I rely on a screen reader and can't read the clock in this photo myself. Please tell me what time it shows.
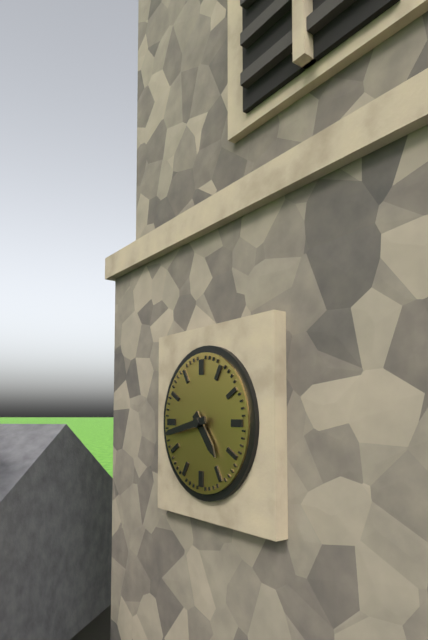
4:43
